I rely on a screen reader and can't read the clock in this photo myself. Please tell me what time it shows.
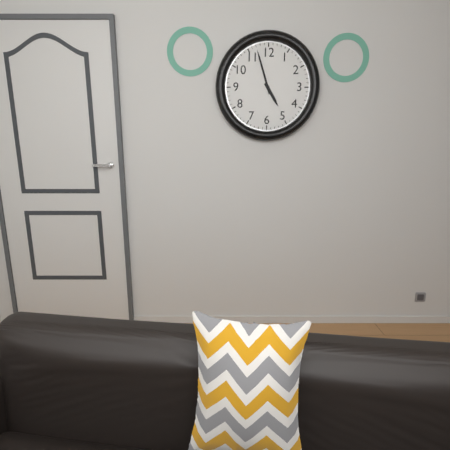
4:57
